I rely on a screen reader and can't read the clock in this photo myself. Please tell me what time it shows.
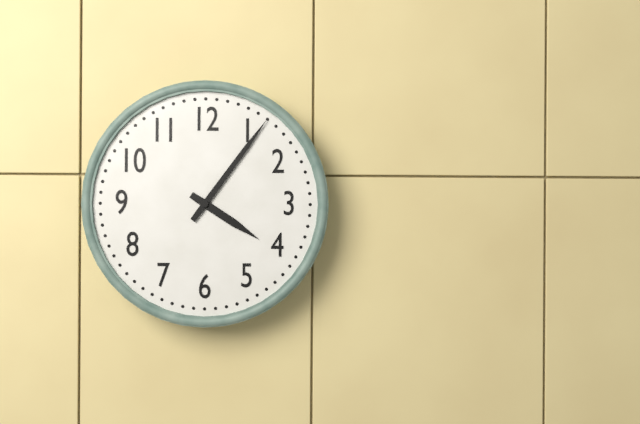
4:06
